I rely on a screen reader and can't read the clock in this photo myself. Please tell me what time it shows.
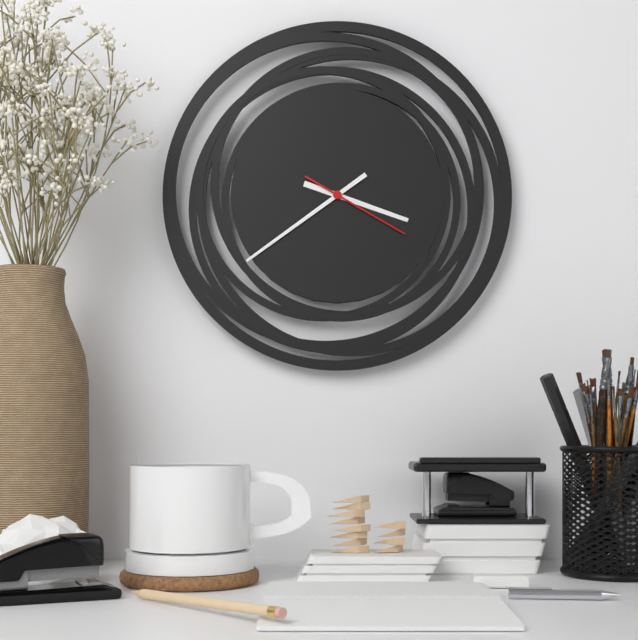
3:39:20
